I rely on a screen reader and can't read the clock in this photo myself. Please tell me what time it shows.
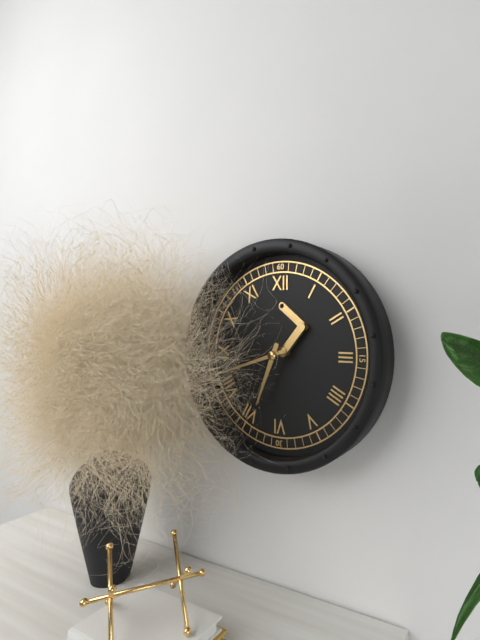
6:42
